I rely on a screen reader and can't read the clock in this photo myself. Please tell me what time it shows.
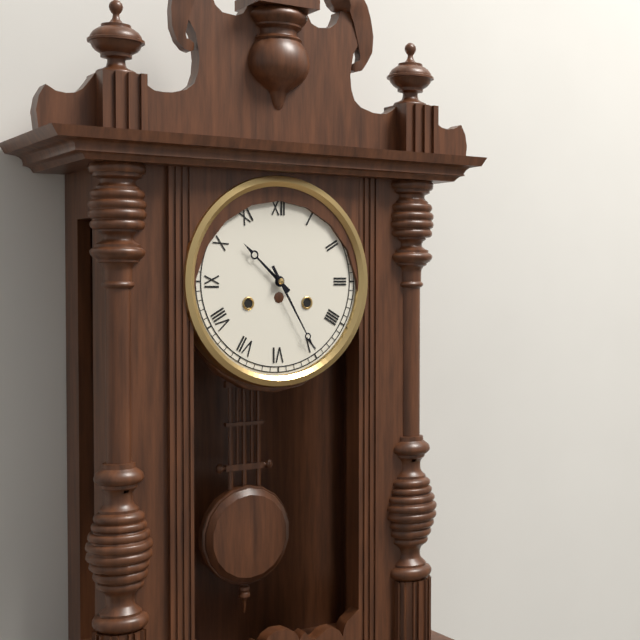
10:25
